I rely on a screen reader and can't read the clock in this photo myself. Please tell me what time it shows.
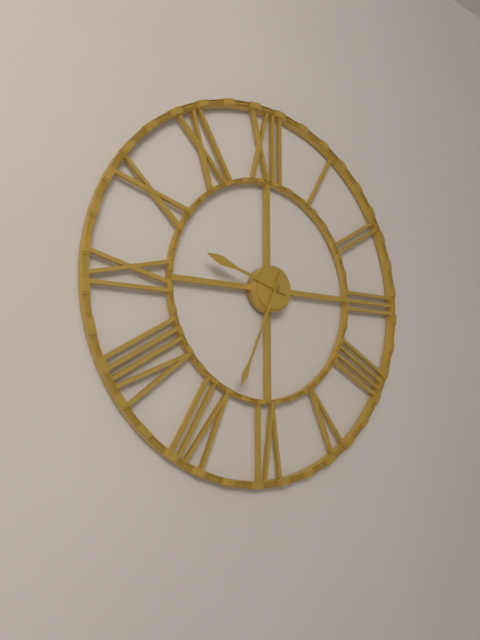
9:34
